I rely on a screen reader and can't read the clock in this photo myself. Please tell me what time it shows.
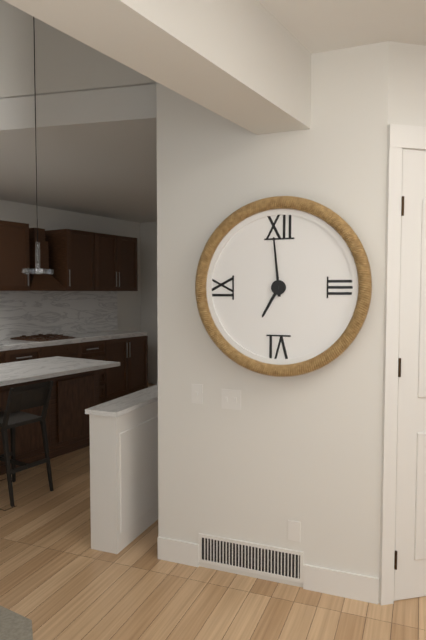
6:59
